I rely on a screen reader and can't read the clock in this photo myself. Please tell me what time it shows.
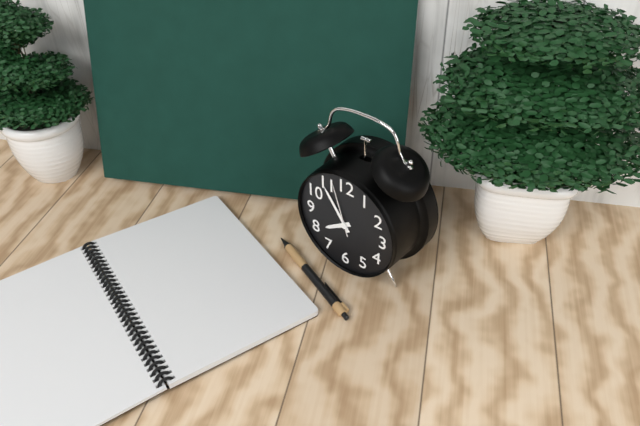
7:54:57
